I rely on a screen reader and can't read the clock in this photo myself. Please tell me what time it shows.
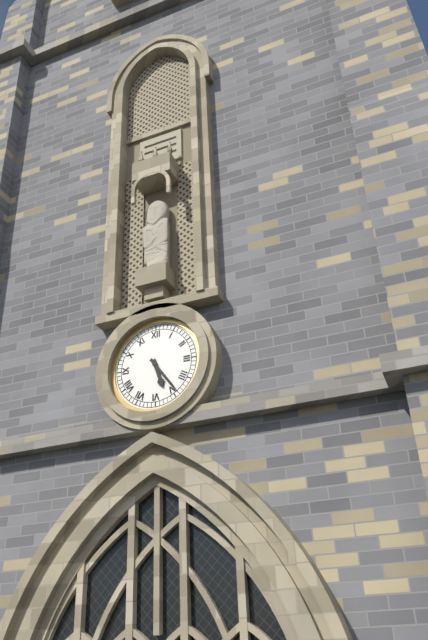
5:24
